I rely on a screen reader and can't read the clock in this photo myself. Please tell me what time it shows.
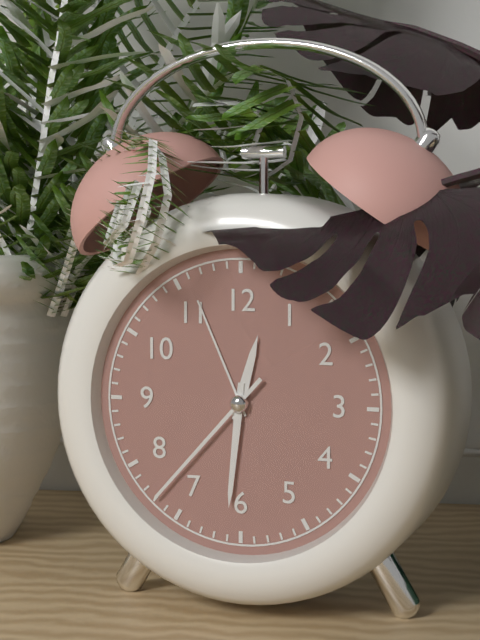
12:31:37
